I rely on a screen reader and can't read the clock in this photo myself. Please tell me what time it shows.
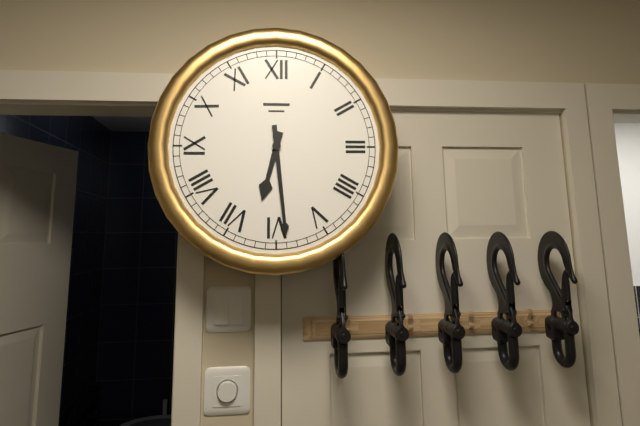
6:29
